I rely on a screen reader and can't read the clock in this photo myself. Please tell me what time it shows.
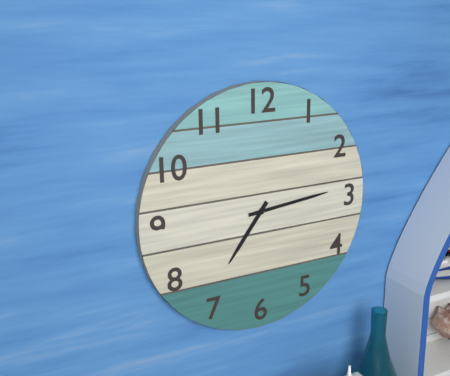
7:14
